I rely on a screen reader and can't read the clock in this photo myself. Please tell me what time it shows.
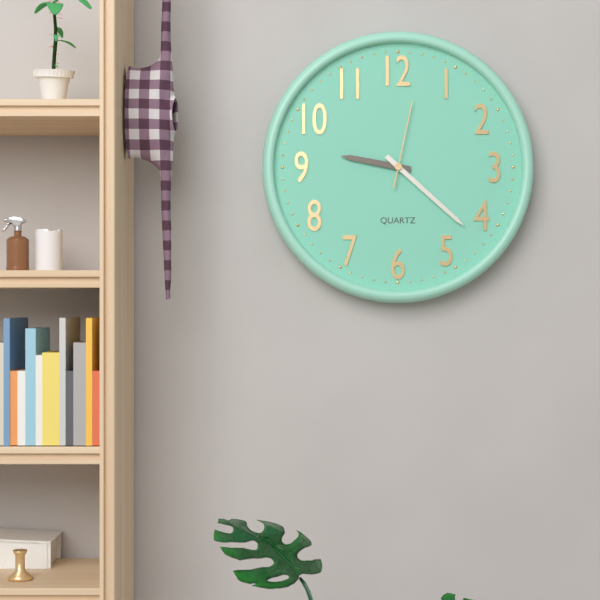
9:22:02
